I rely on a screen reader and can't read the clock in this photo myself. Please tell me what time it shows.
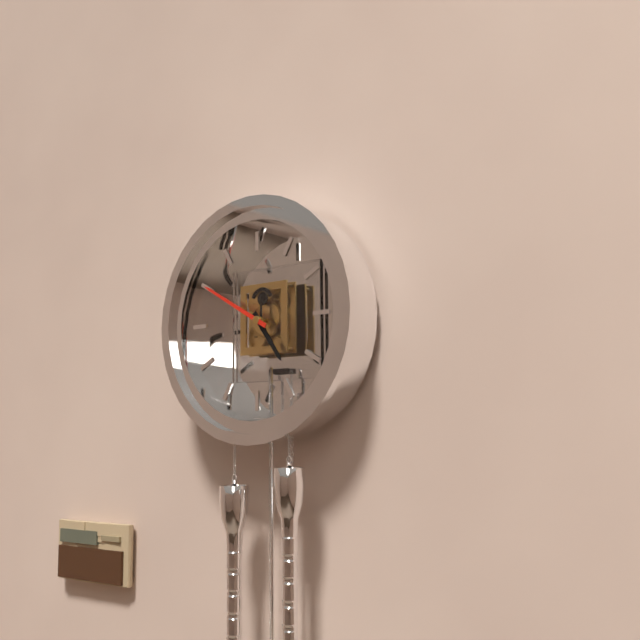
4:50
